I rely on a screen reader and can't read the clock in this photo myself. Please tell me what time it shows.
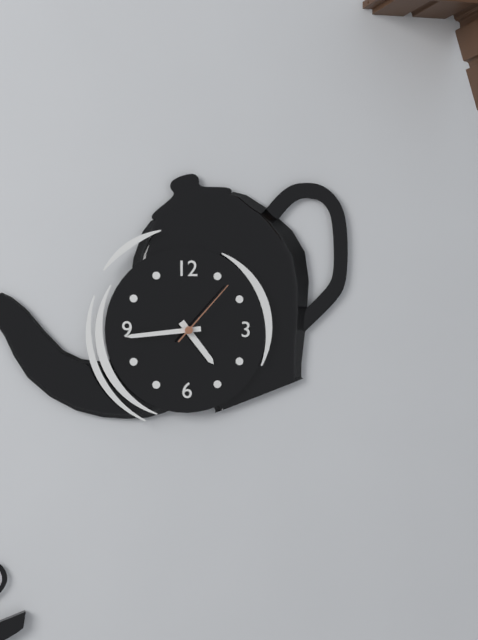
4:44:07
